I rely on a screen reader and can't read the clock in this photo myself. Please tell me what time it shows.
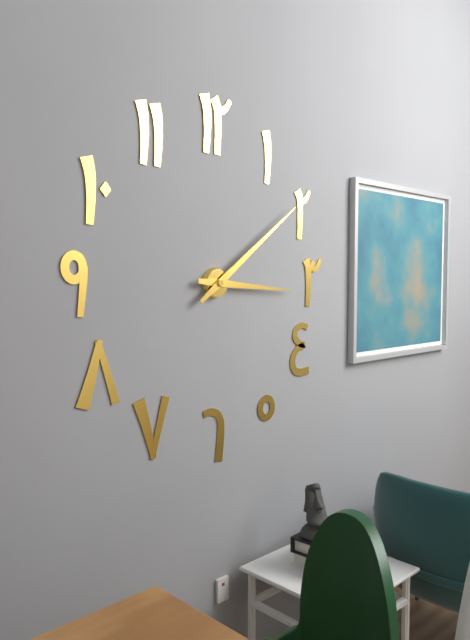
3:09
